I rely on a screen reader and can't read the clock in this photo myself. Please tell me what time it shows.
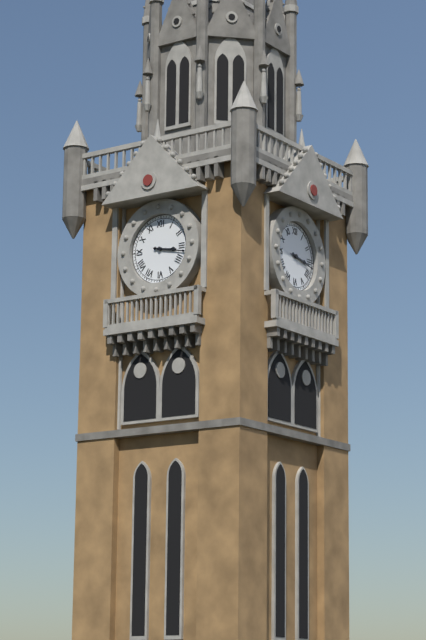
3:17
